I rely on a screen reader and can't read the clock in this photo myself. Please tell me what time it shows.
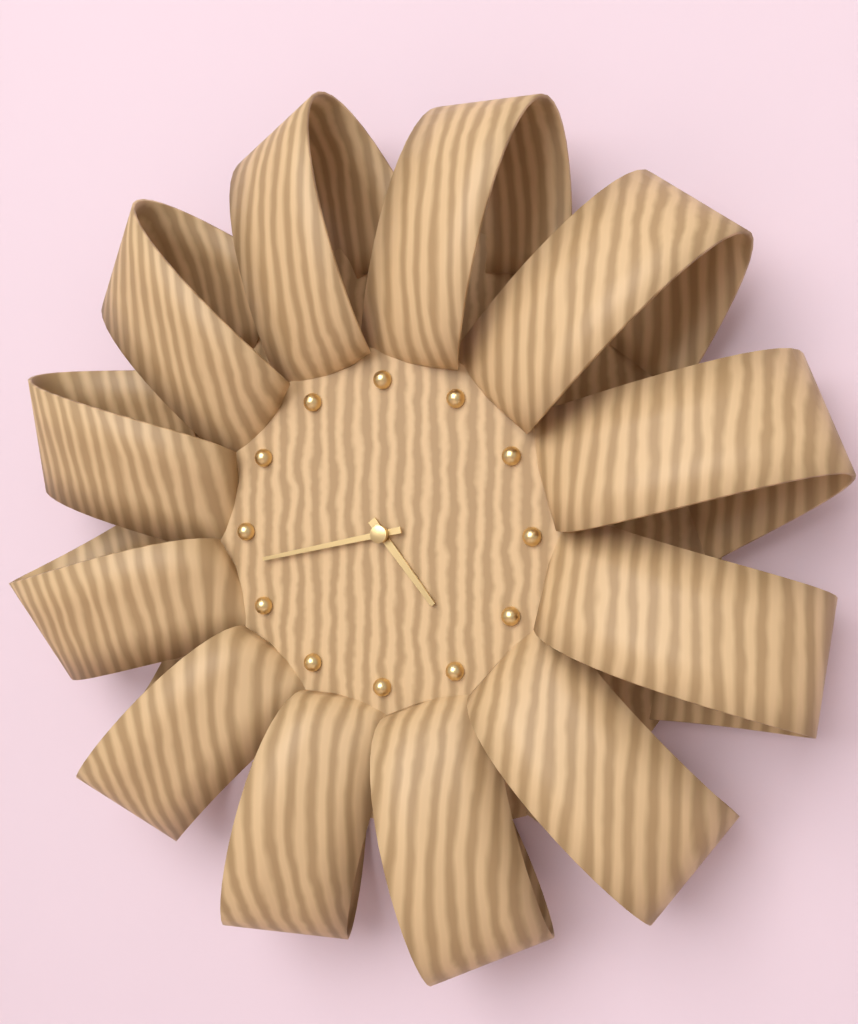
4:43
